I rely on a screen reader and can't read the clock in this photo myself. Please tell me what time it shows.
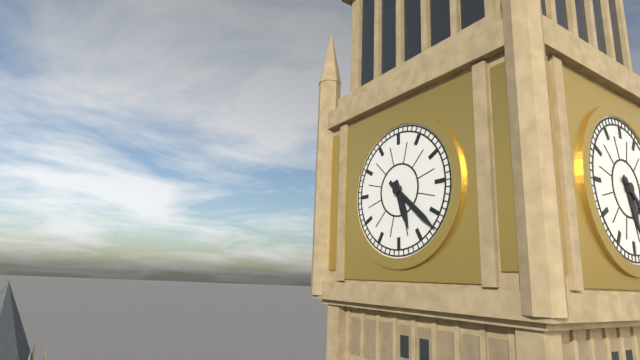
5:22
